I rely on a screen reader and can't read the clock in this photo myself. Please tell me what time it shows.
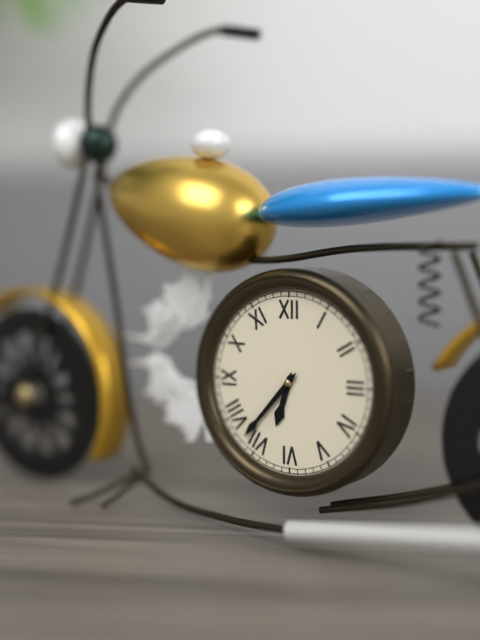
6:37
